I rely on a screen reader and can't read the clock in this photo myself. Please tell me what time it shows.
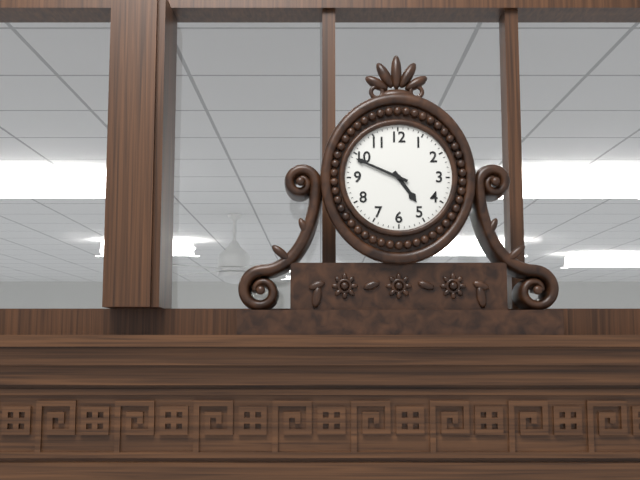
4:49
